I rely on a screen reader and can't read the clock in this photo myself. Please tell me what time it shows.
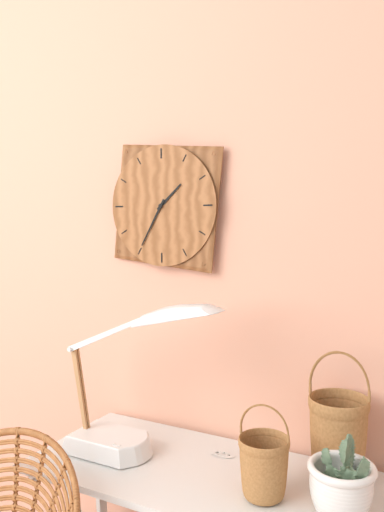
1:35
